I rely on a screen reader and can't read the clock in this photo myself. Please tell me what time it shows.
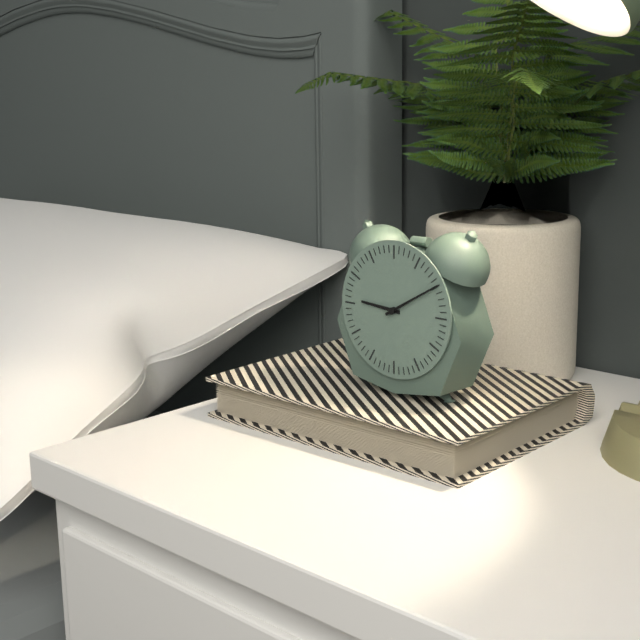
9:10
